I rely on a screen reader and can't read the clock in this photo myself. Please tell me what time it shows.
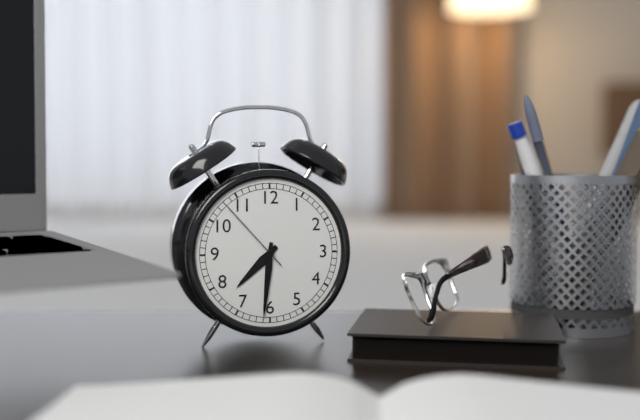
7:31:53
